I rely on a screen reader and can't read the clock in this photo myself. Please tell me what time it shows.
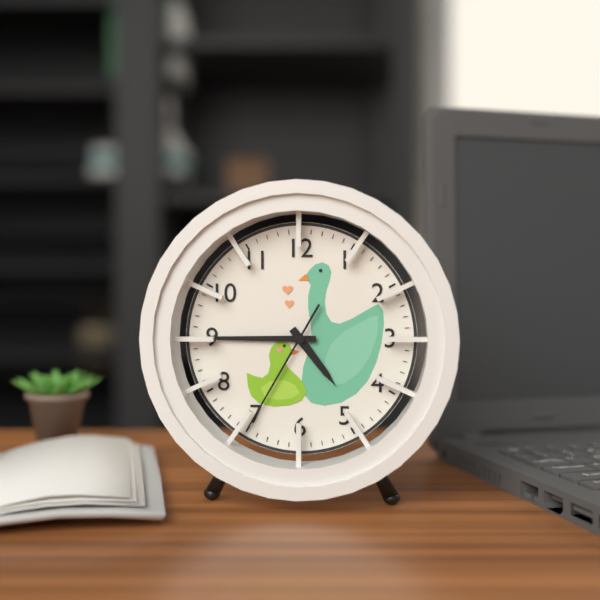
4:45:35
